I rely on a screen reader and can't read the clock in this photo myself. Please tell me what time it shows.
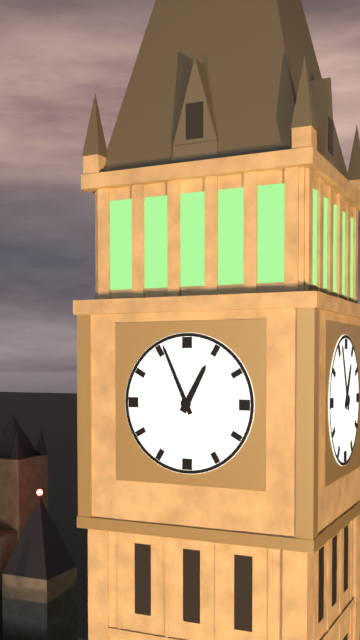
12:56
